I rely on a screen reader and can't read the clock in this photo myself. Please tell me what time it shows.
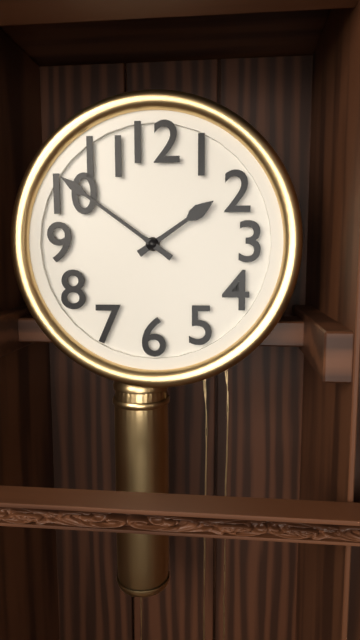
1:51
